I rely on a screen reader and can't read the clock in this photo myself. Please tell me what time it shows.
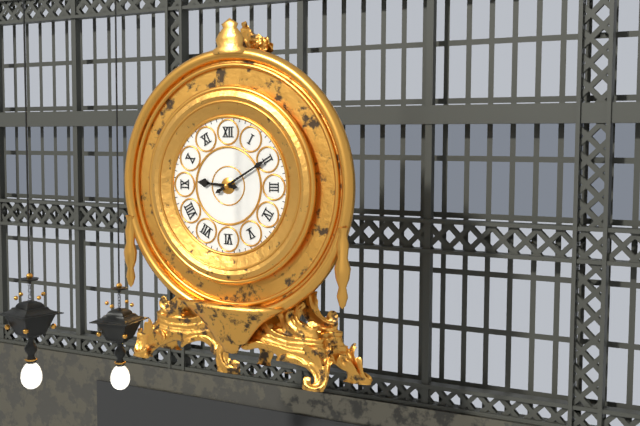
9:10
